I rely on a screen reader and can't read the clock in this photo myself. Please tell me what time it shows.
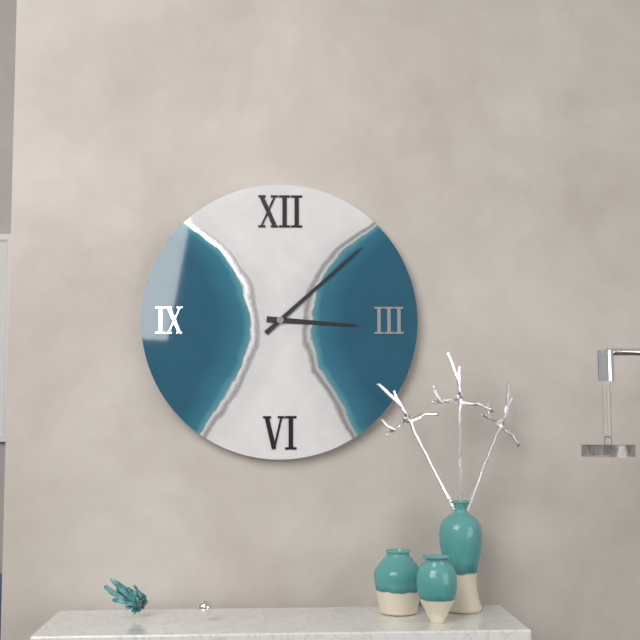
3:08
